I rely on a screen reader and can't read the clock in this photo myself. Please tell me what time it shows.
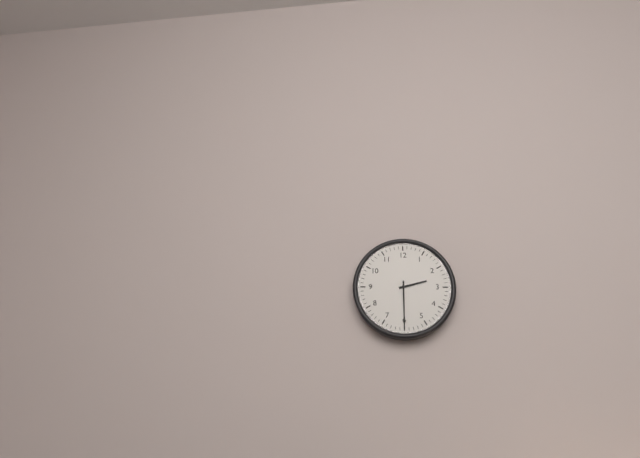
2:30
